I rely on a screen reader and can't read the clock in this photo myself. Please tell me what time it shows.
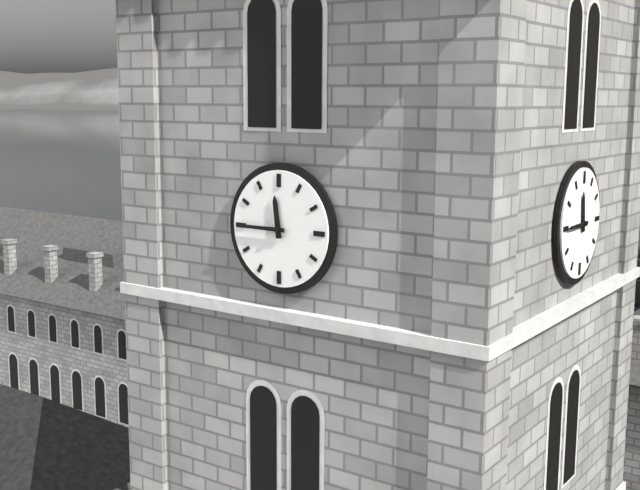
11:45
